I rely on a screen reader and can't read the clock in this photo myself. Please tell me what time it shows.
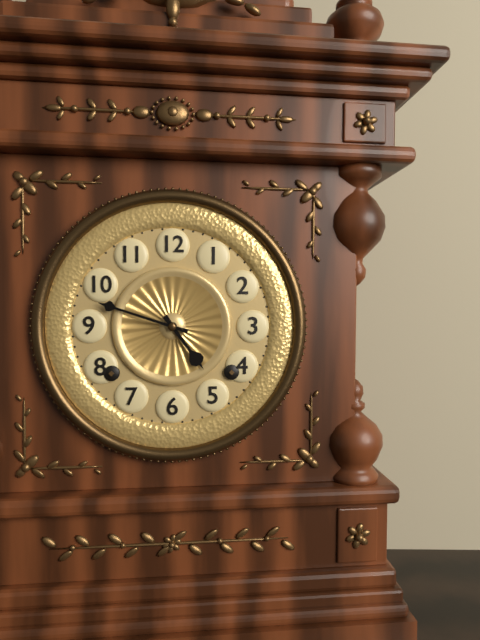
4:48
